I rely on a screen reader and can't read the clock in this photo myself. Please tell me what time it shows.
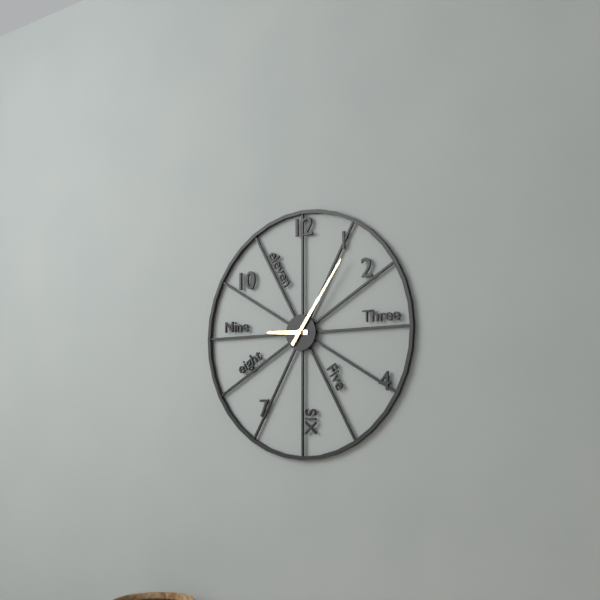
9:06
